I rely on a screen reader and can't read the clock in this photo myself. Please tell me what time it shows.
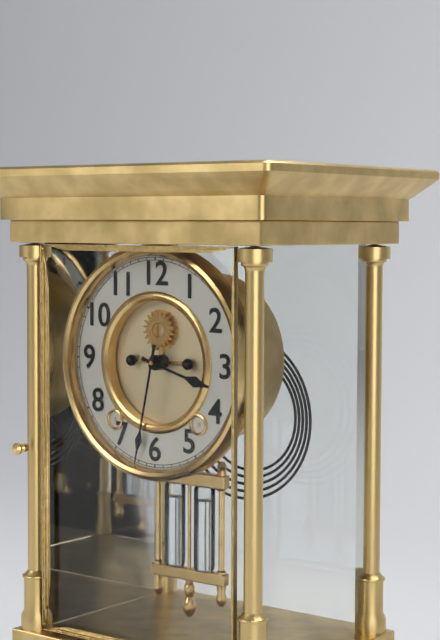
3:32
